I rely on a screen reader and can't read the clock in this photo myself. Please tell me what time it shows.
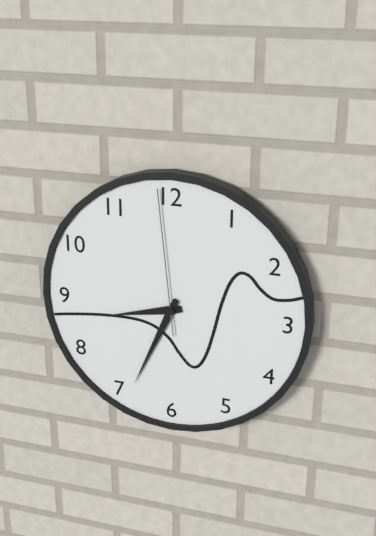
8:34:59
